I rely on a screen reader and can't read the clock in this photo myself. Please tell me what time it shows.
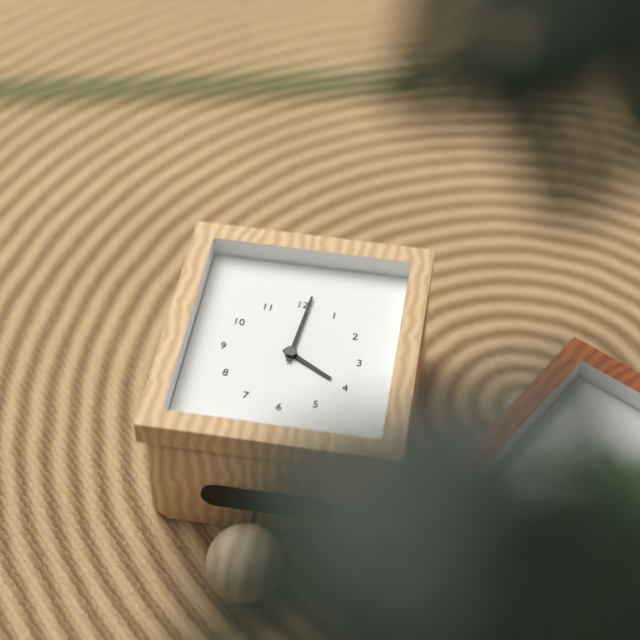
4:01
